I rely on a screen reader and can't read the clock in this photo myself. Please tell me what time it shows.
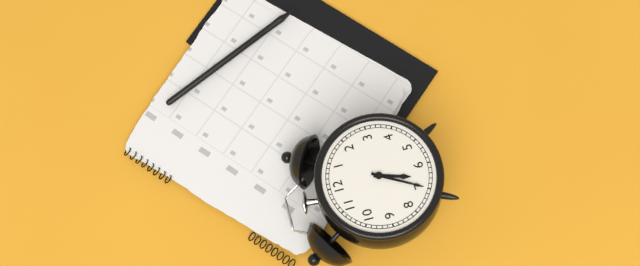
6:35
